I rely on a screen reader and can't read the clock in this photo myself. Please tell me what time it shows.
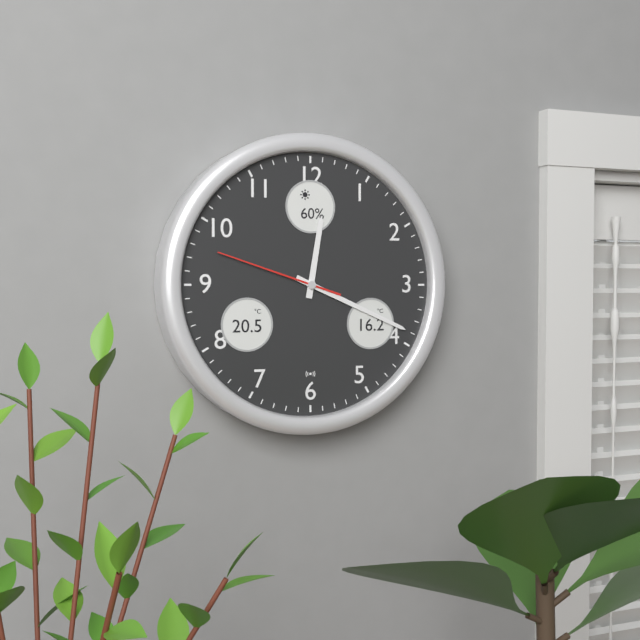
12:19:48
